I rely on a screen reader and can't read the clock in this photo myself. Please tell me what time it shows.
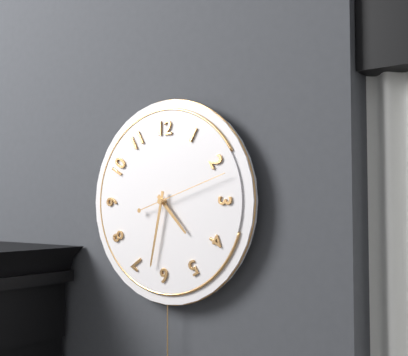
4:32:12
